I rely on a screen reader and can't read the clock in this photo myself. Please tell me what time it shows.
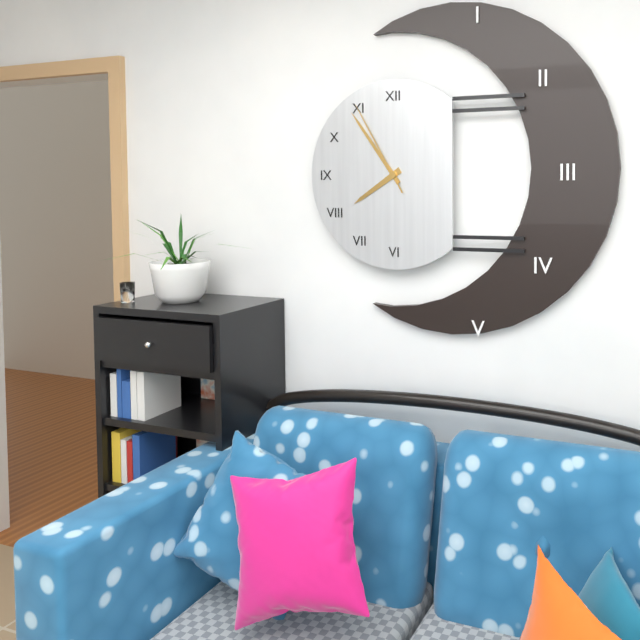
7:54:55
